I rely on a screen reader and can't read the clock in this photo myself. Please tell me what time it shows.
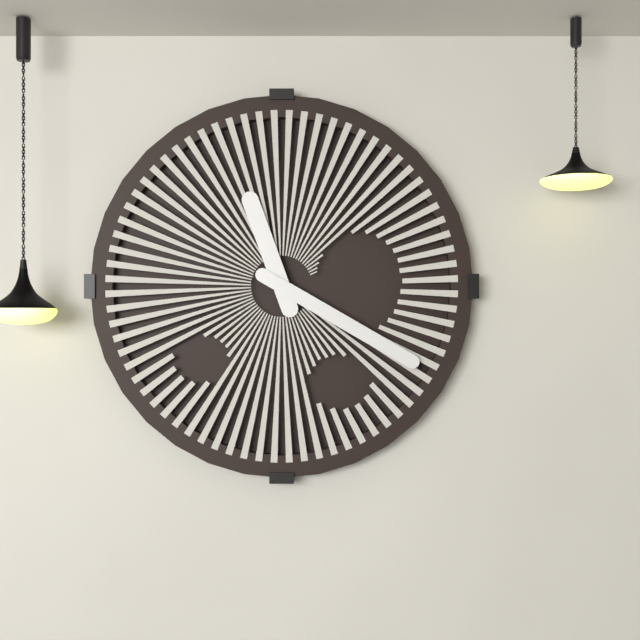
11:20
